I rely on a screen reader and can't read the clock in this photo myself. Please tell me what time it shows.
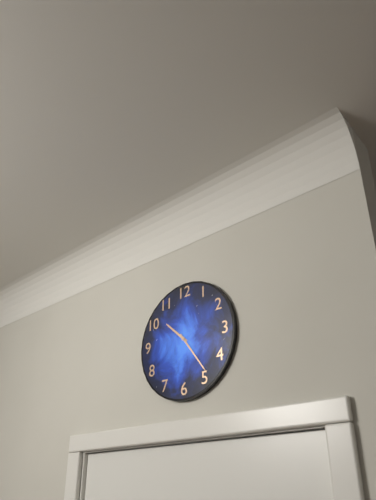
10:24
